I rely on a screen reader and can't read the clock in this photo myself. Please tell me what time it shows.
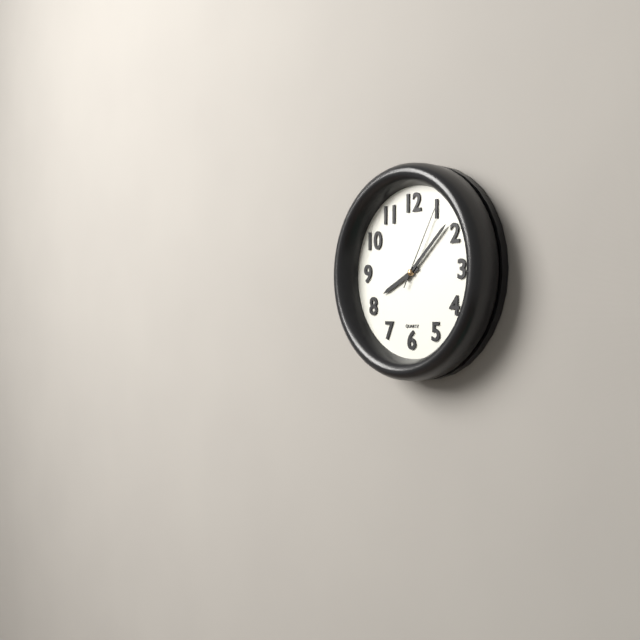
8:08:05
